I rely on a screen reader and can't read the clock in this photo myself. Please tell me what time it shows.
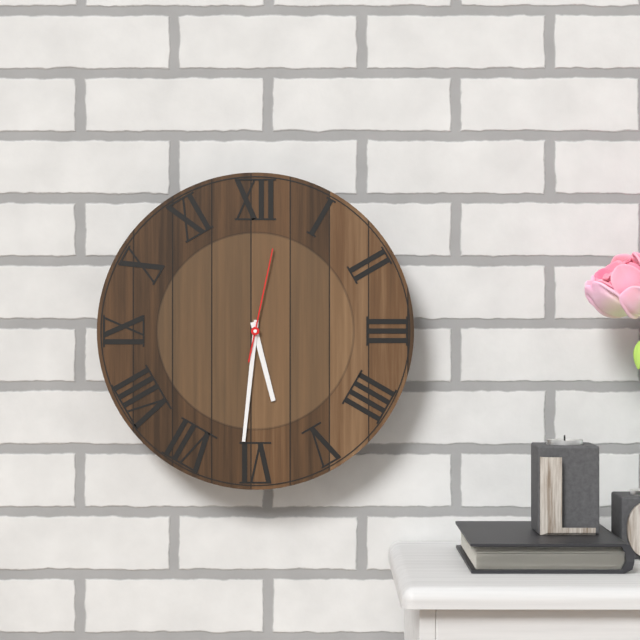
5:31:02
